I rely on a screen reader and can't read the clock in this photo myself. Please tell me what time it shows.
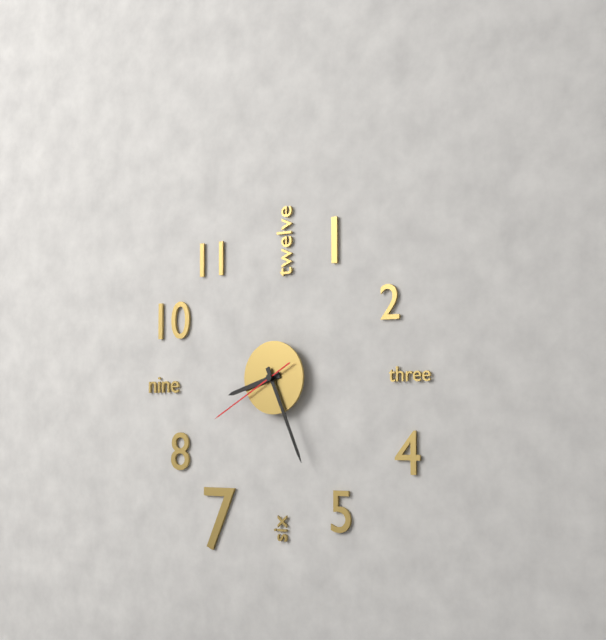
8:26:40
